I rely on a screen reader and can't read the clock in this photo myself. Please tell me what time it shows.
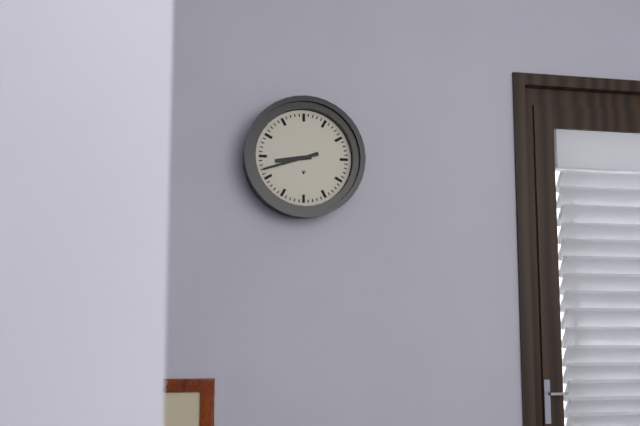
8:42
